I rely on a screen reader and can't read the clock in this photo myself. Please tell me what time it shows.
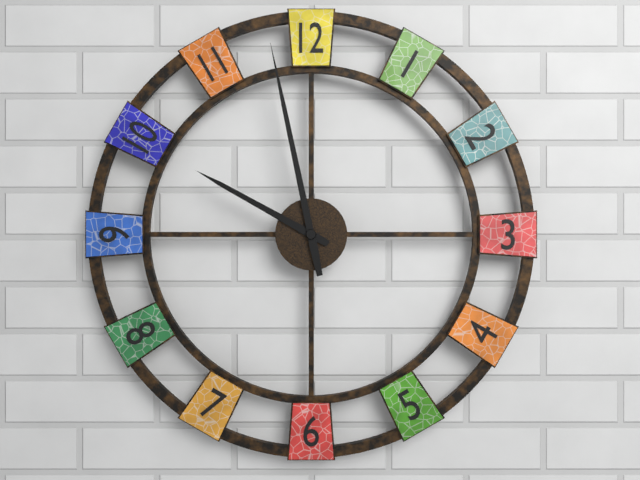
9:58
